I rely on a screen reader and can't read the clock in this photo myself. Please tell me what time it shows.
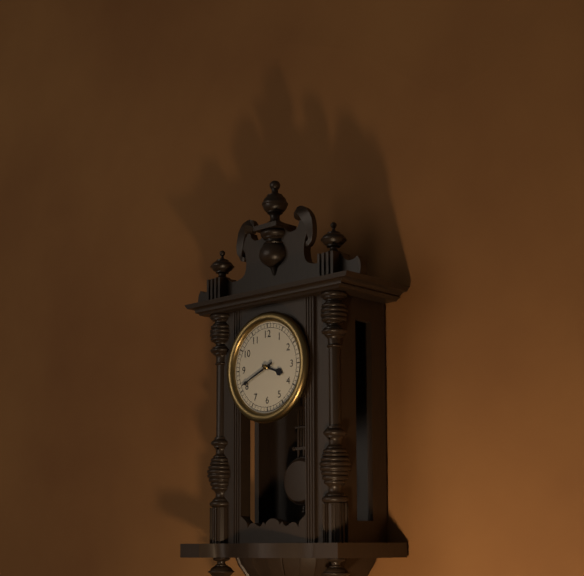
3:41
